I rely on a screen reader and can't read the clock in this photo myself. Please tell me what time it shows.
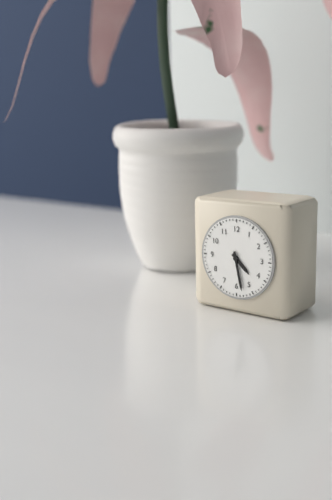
4:28
